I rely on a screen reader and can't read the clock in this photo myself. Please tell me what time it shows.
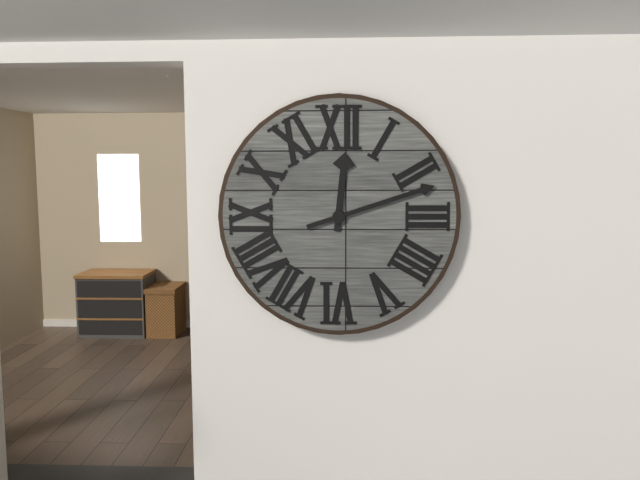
12:12
